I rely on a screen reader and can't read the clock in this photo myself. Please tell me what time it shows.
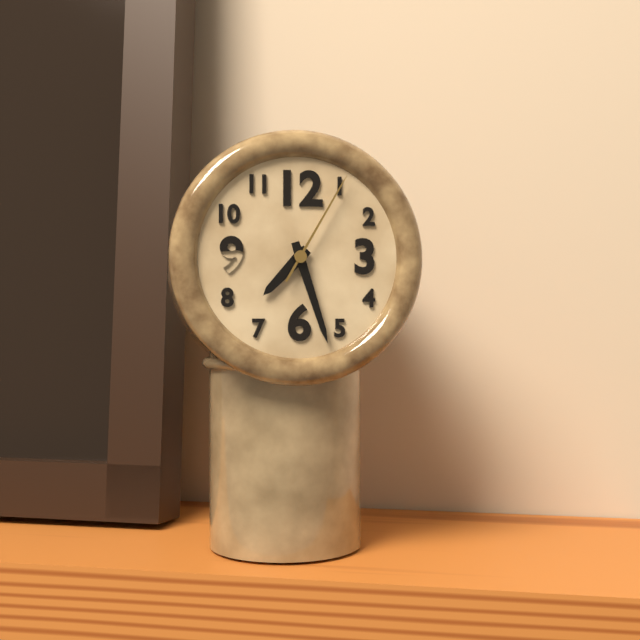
7:27:05
